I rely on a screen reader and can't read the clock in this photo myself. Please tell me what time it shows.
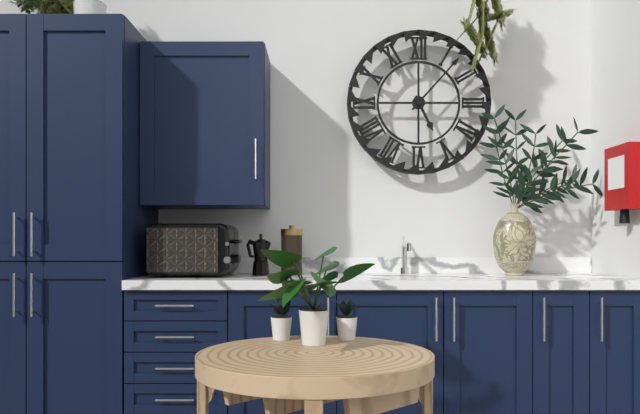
5:07
